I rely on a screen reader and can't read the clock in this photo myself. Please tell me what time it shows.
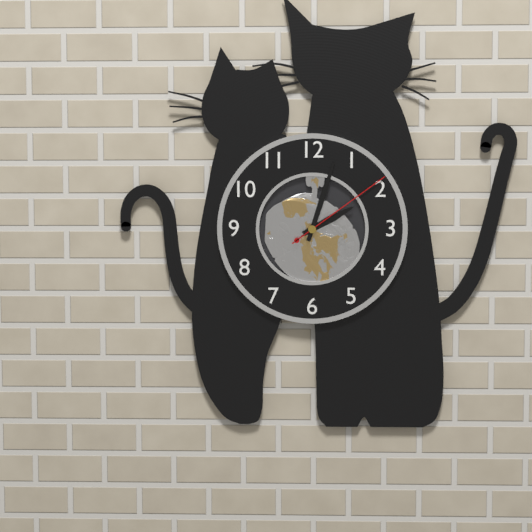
2:03:09
